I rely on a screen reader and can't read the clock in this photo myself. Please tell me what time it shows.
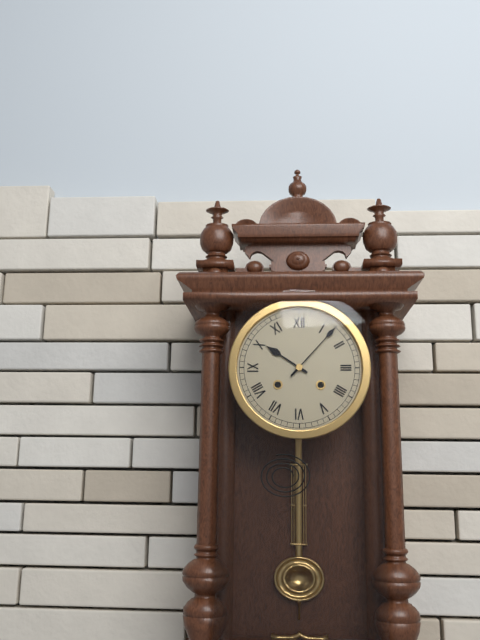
10:07
